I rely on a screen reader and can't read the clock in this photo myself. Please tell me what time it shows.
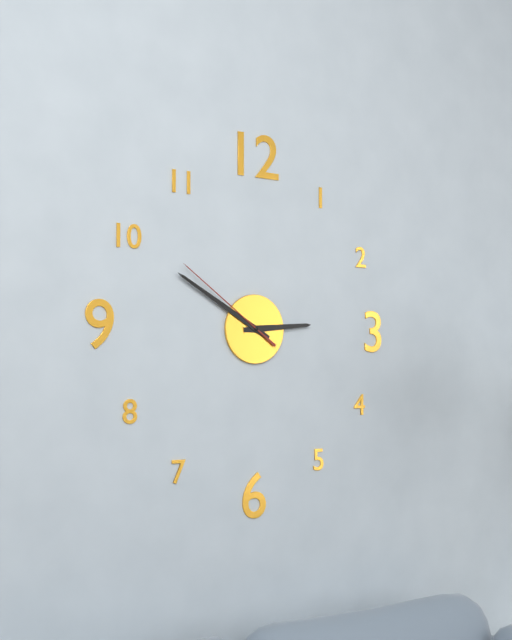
2:50:51
